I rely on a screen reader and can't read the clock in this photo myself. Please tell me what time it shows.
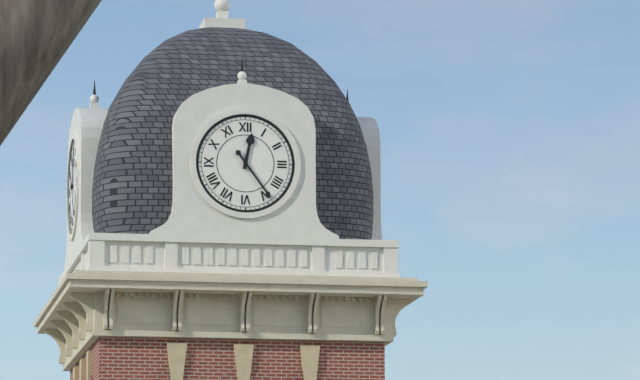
12:24
